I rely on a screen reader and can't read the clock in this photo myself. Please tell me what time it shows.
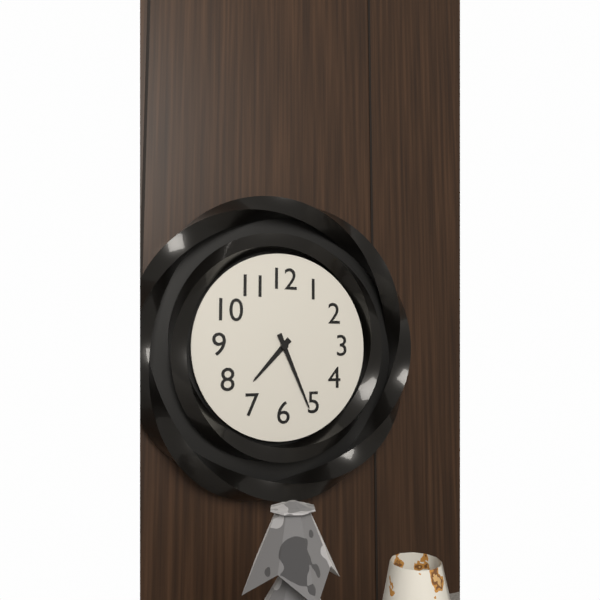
7:26
